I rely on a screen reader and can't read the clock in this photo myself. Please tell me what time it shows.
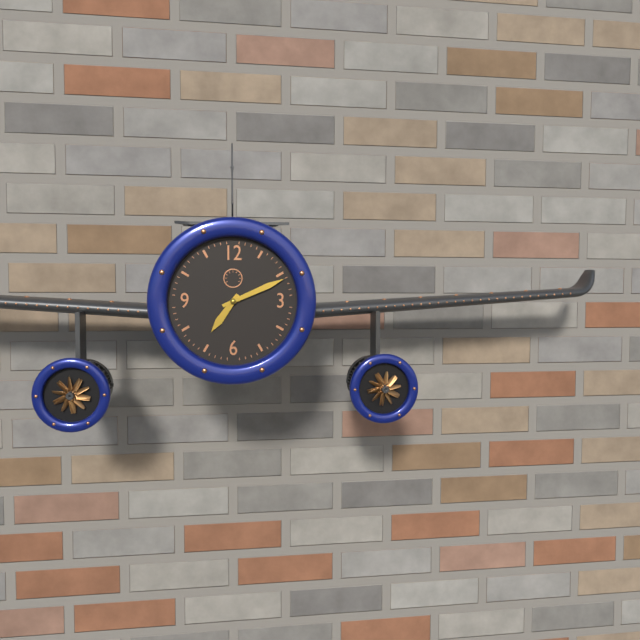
7:11
